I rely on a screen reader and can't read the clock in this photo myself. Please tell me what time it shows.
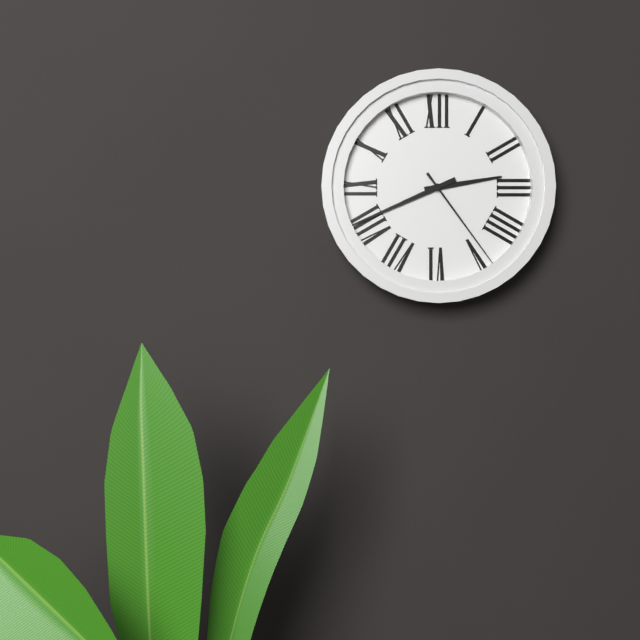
2:41:24
